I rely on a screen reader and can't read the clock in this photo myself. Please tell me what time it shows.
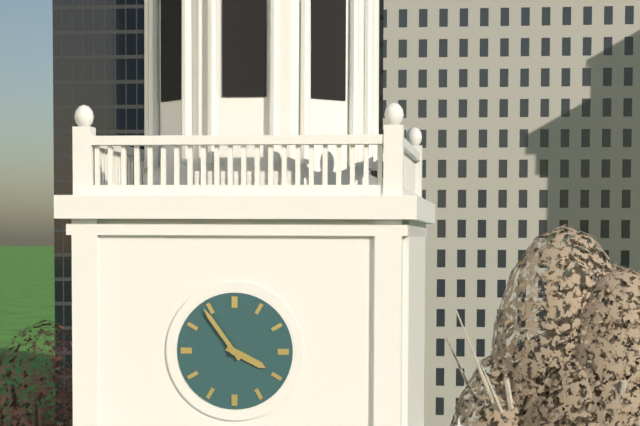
3:54
